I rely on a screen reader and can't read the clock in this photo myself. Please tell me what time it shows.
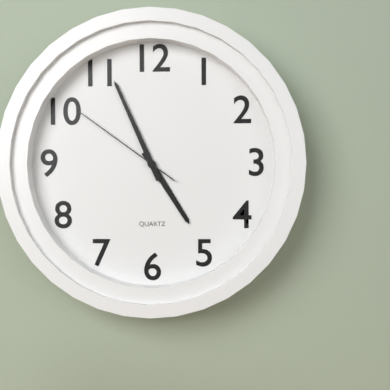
4:56:51
